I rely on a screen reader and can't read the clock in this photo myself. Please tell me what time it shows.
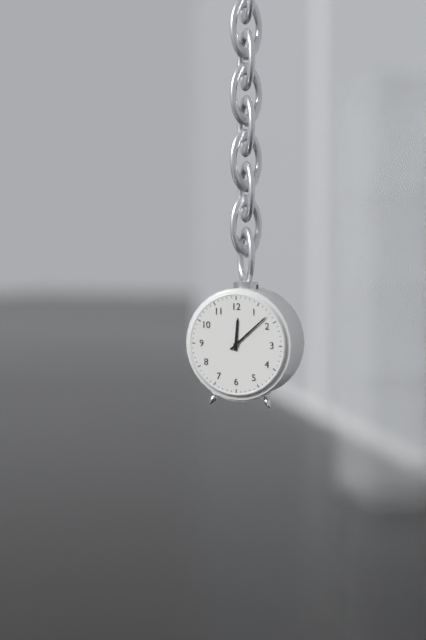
12:08
